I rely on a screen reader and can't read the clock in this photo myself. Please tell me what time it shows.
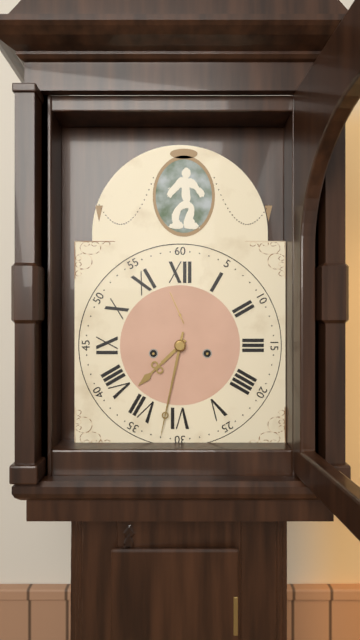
7:32
